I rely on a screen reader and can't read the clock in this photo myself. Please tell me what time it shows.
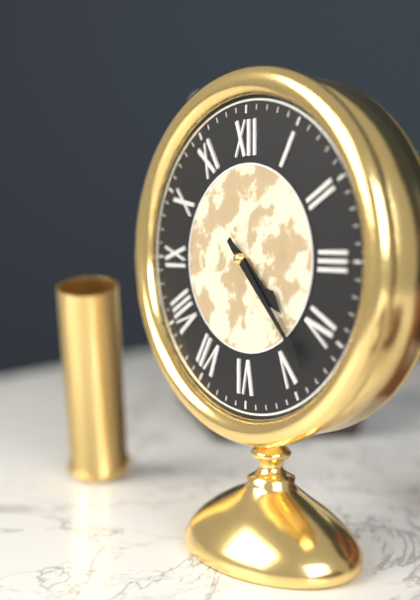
4:23
